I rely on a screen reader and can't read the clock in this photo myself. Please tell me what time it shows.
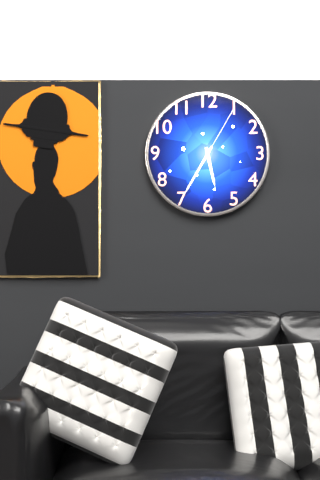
5:35:05
